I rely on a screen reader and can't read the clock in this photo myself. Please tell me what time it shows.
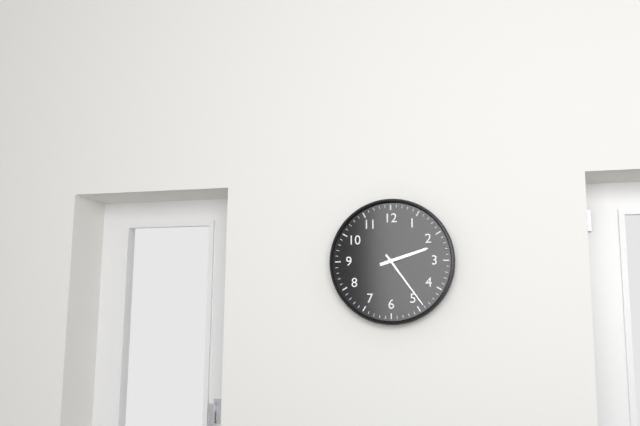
2:24
